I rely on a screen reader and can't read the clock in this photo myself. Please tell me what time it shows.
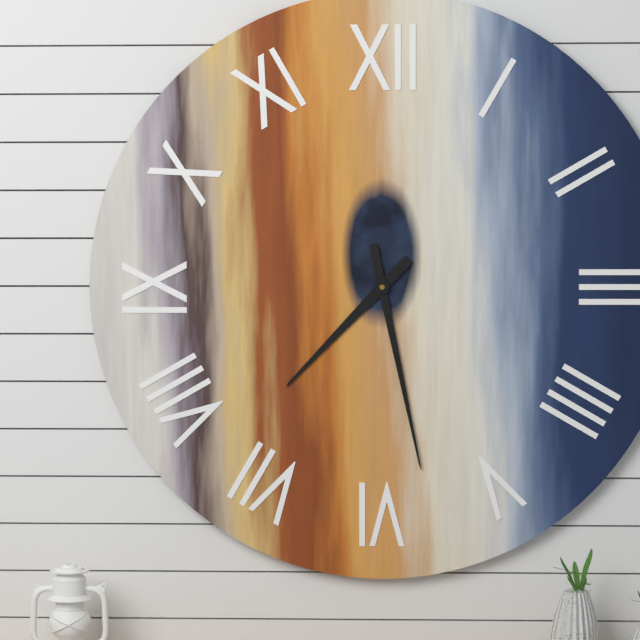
7:28
